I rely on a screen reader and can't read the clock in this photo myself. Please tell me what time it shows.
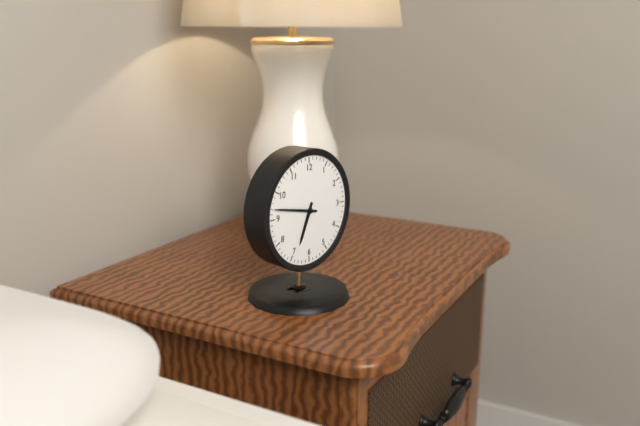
6:47
